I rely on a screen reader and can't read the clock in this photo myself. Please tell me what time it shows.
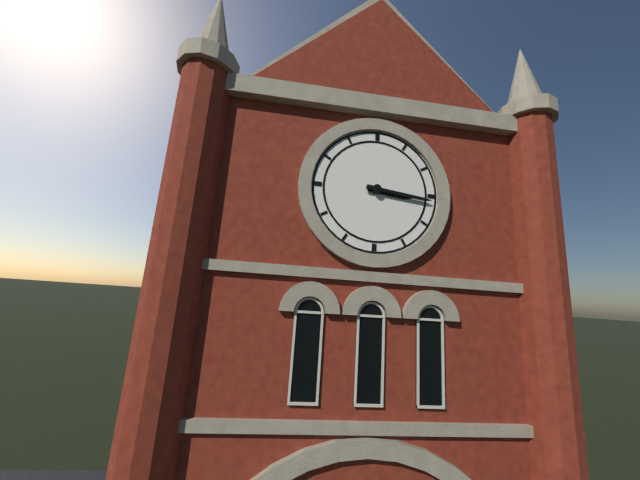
3:16
